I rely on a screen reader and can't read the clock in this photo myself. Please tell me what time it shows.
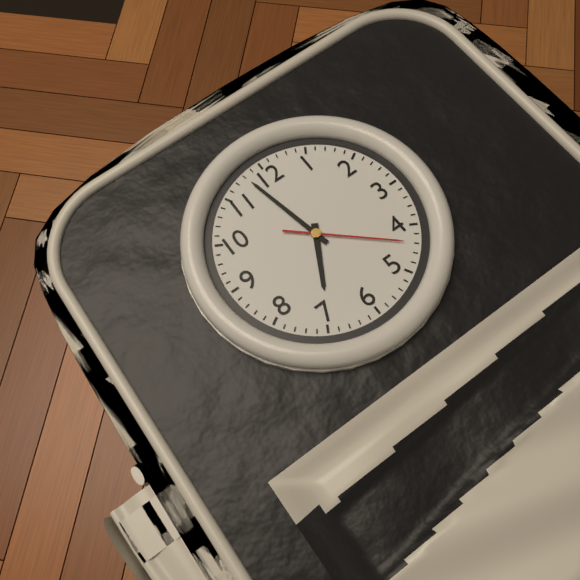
6:58:22
